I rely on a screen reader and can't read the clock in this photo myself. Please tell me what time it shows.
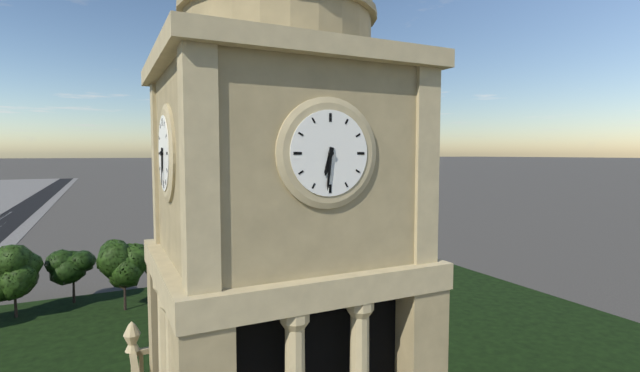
6:31
